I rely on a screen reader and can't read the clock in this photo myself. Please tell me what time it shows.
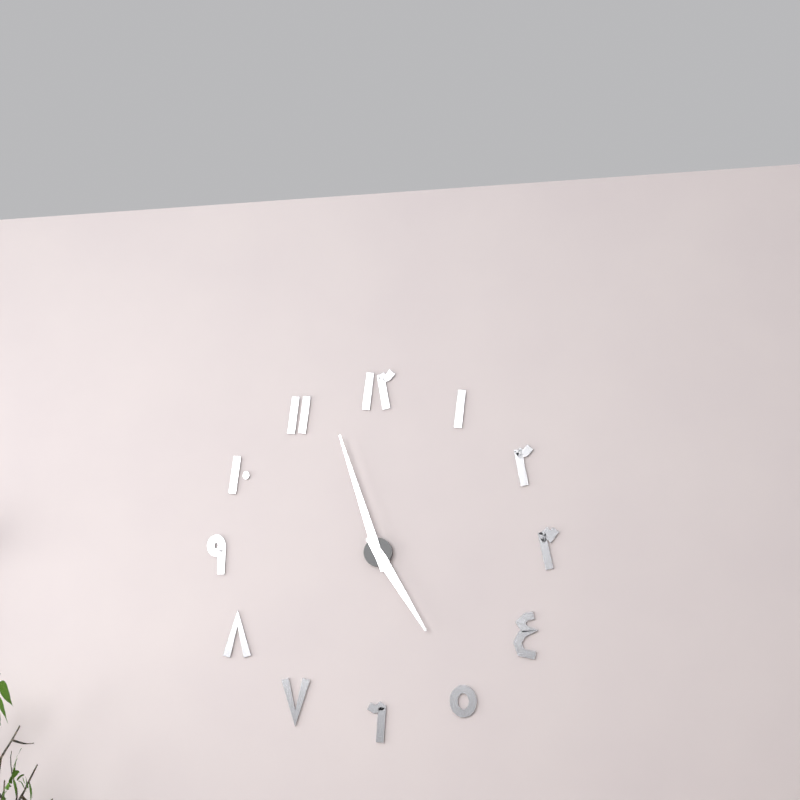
4:57
